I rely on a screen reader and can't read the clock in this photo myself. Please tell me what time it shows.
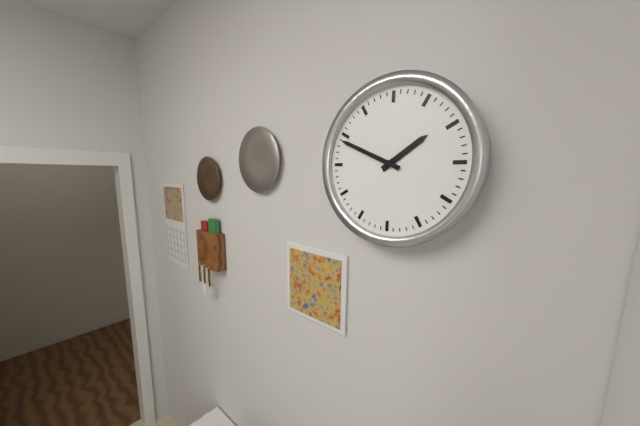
1:49
